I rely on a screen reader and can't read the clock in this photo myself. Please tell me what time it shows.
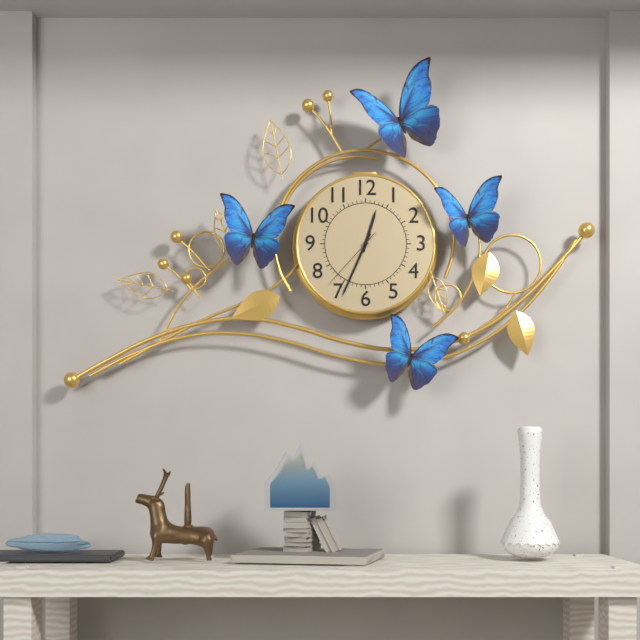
12:34:37
